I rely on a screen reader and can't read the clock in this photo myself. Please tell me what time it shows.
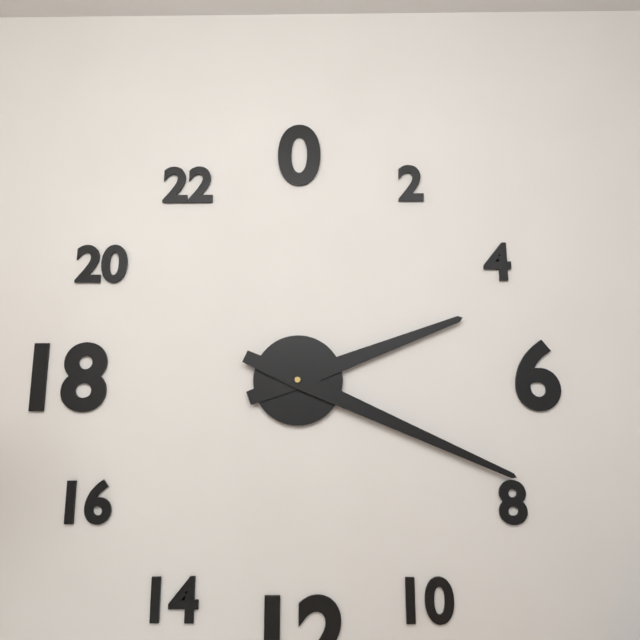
2:19
